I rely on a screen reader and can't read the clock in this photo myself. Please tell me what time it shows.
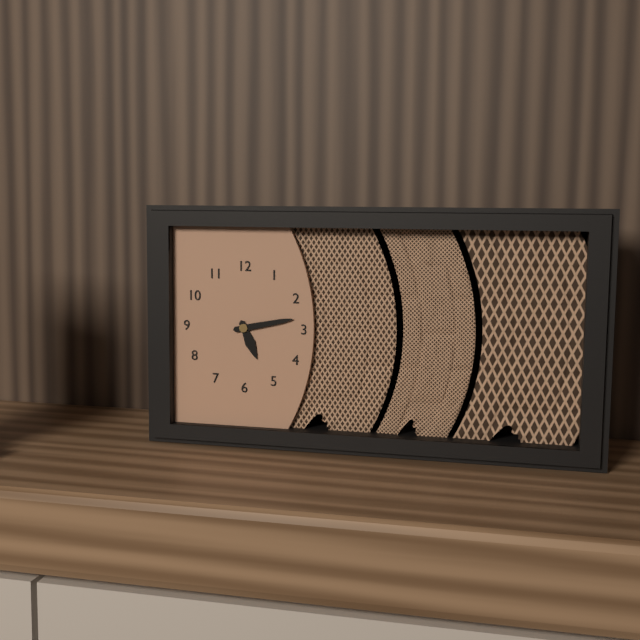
5:13
